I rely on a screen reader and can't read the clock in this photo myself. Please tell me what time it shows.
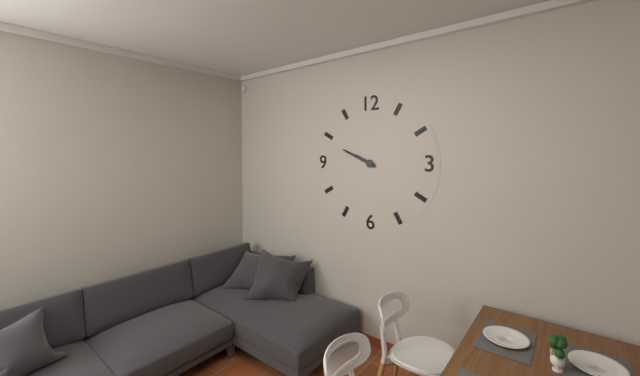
9:49
